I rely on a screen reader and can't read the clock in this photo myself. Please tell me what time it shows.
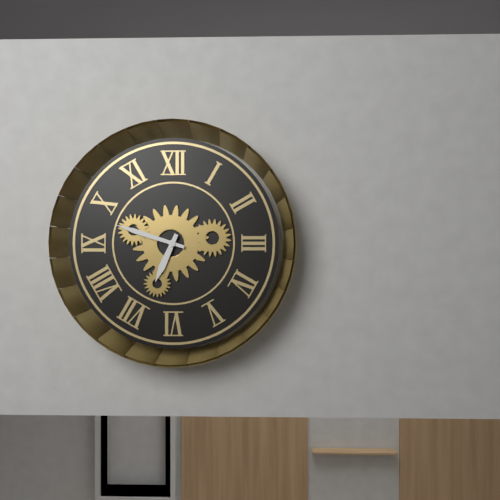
6:48
